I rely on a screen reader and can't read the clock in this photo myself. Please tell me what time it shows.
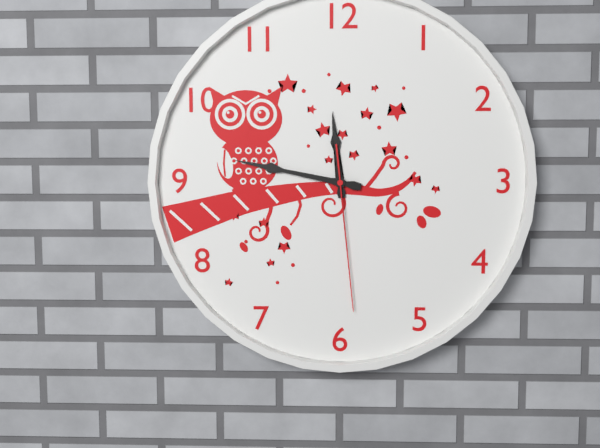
11:47:29
